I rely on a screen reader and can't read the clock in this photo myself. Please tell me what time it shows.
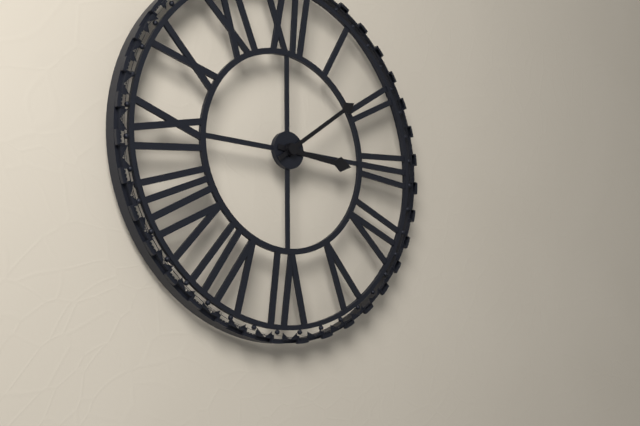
3:09
